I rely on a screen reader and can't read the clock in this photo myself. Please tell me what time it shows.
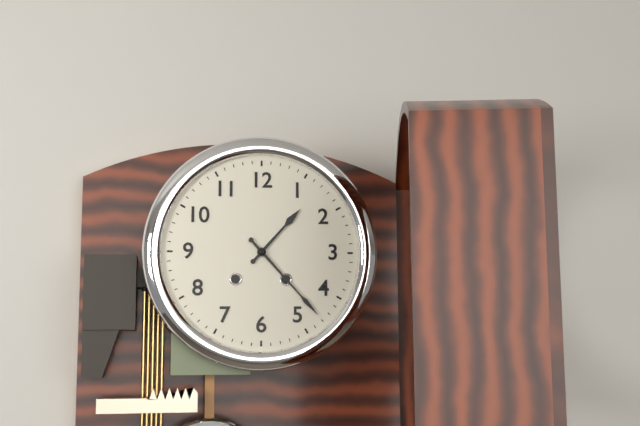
1:23
